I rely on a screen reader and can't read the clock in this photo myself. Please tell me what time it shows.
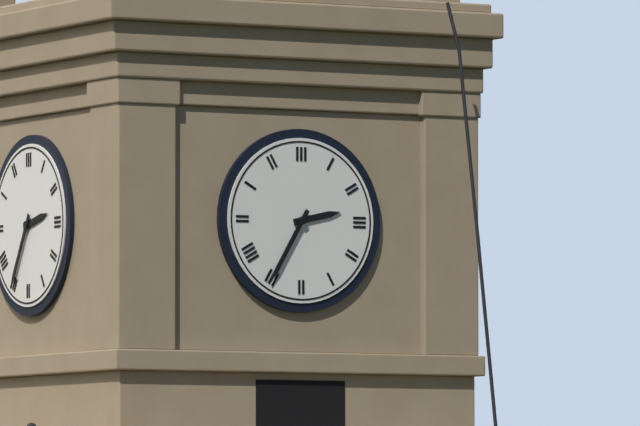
2:35
